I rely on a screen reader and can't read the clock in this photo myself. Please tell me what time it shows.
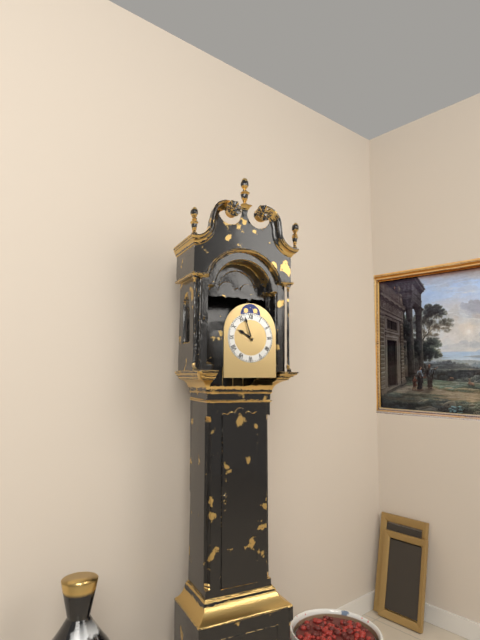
9:57
